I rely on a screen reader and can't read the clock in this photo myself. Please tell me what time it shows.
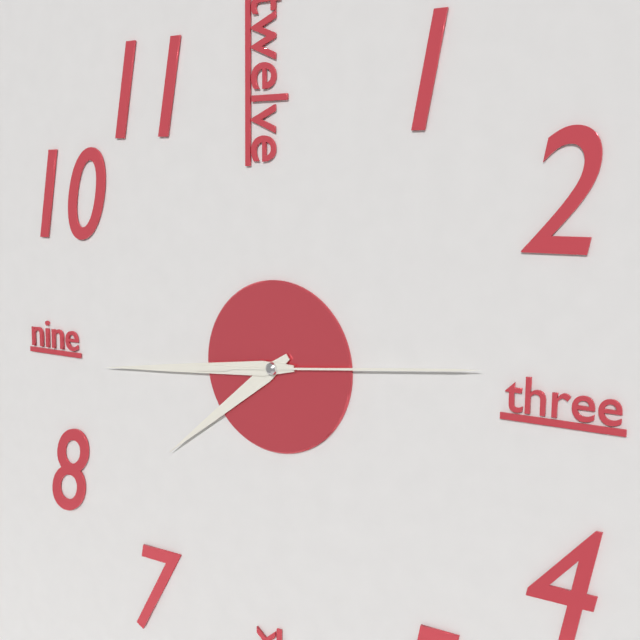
7:44:14
